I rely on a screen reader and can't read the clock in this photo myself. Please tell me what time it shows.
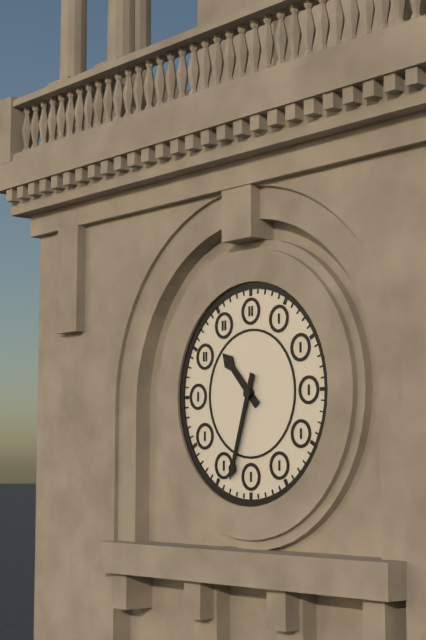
10:33
